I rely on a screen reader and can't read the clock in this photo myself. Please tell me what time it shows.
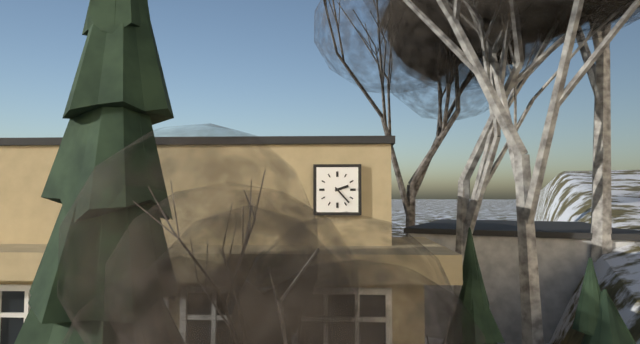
2:23
